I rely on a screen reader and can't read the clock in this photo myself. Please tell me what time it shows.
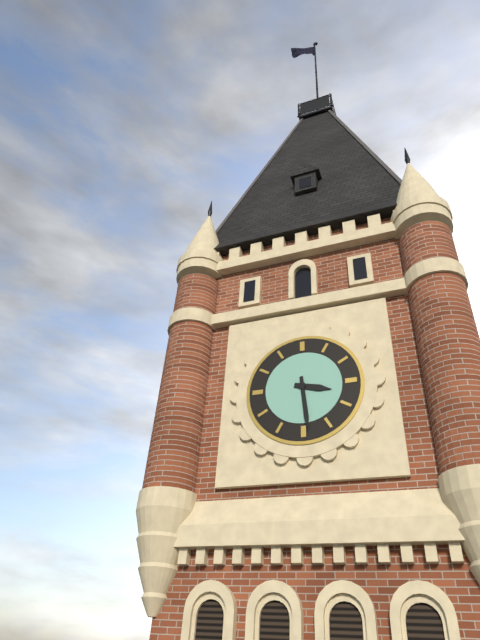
3:29
